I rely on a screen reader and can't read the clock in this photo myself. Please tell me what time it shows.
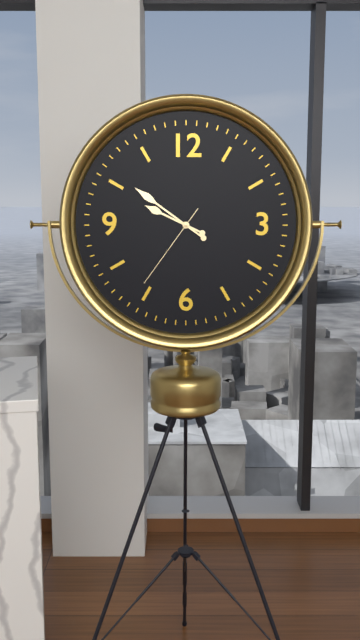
9:51:36
